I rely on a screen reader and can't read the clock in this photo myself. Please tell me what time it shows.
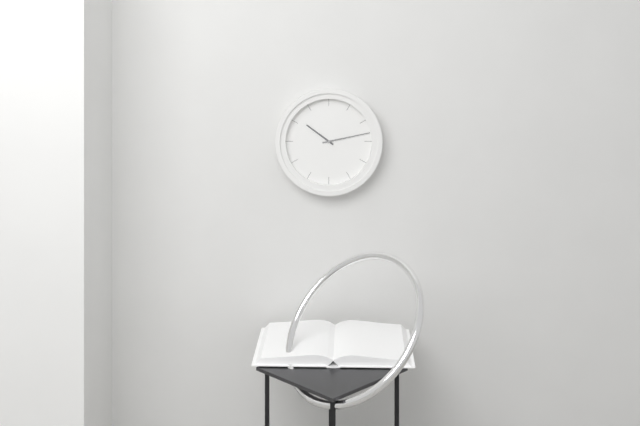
10:13
